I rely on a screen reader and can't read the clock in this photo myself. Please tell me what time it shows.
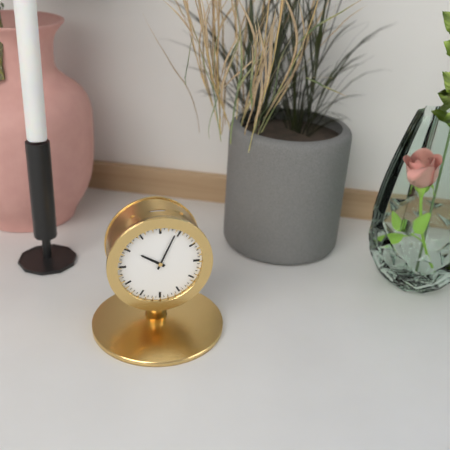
10:04
